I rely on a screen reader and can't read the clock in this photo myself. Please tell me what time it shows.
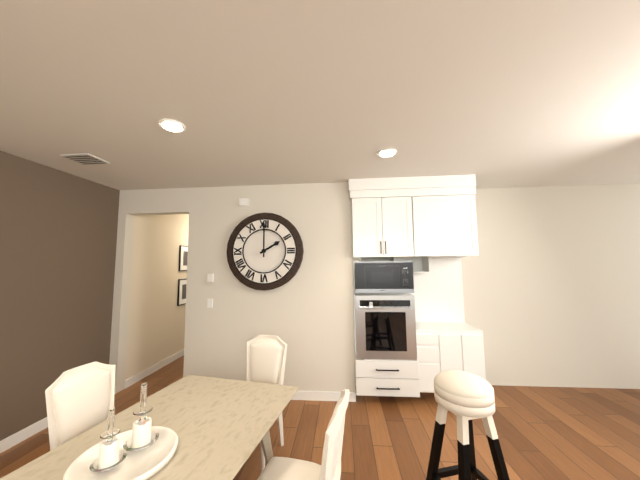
2:00
